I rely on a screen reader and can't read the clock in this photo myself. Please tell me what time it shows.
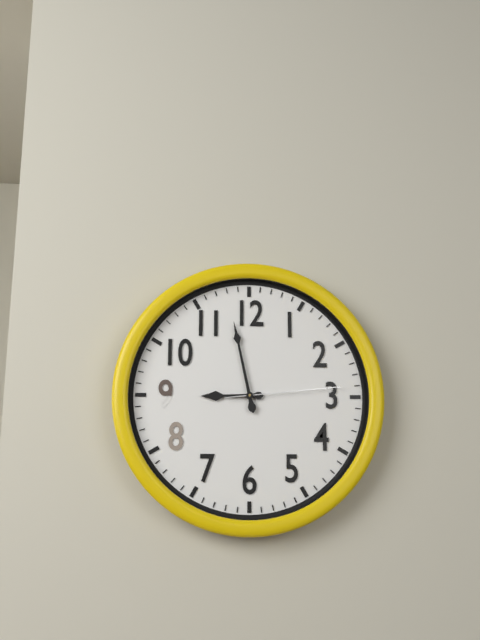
8:58:14
